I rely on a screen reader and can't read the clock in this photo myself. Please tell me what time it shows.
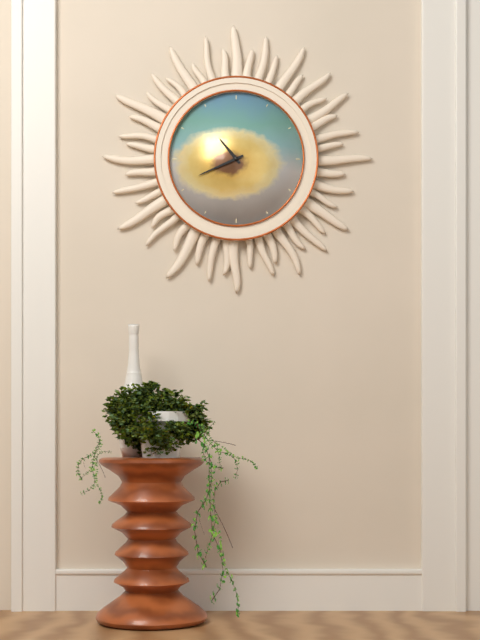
10:41
